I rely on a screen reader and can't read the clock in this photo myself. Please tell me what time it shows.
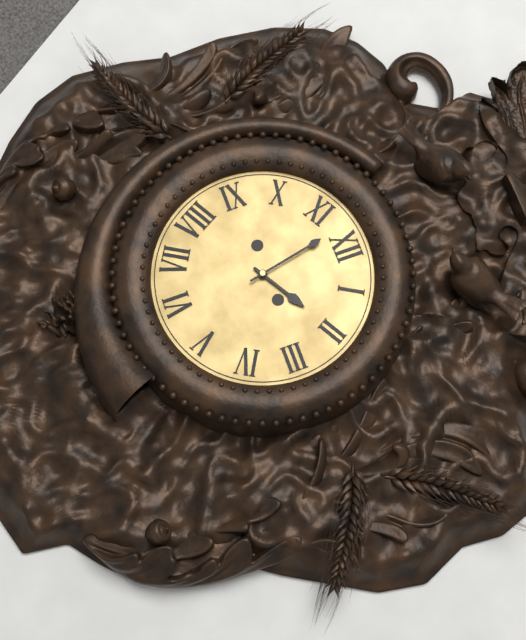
1:58
